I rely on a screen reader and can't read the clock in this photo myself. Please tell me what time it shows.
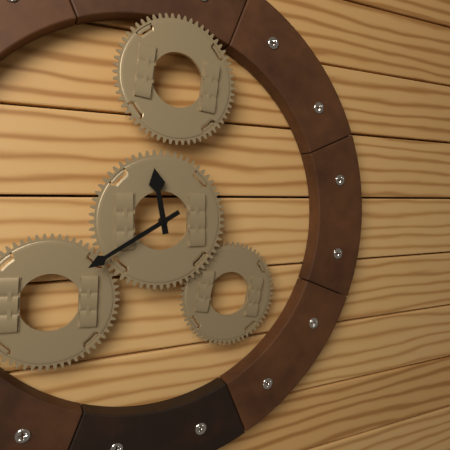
11:40
